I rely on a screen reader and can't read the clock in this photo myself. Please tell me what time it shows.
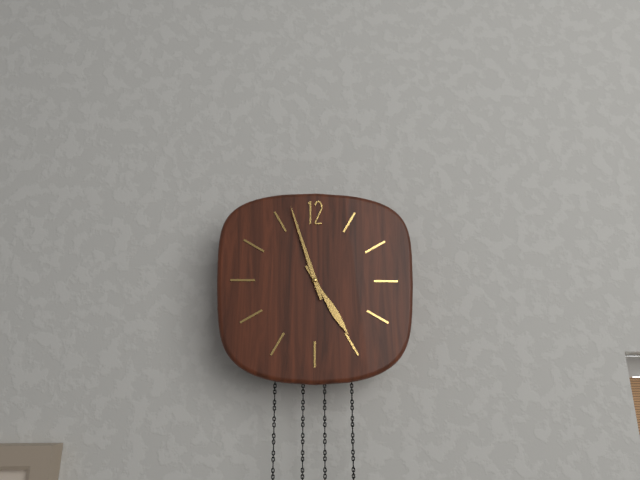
4:57
